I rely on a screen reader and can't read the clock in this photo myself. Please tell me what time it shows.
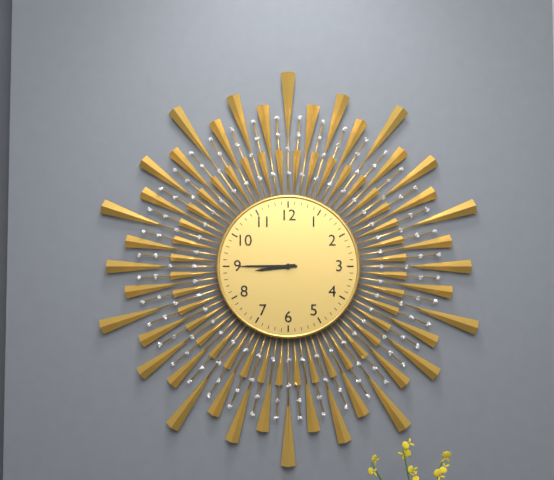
8:45
